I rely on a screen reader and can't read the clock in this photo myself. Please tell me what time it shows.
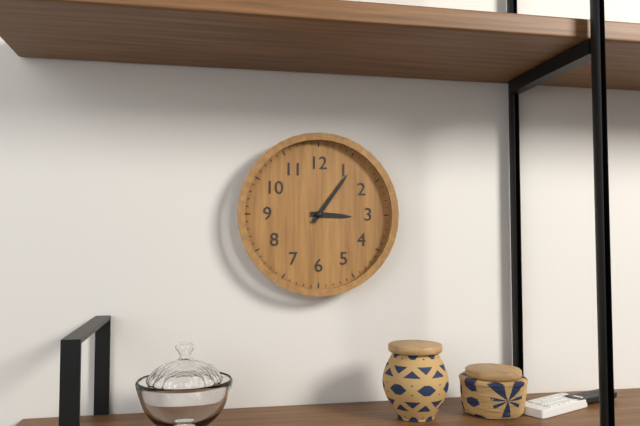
3:06
